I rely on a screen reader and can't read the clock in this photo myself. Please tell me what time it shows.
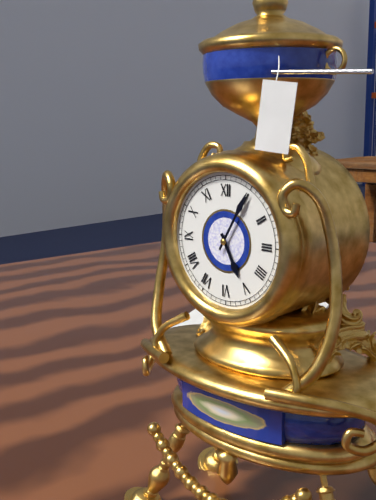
5:05
